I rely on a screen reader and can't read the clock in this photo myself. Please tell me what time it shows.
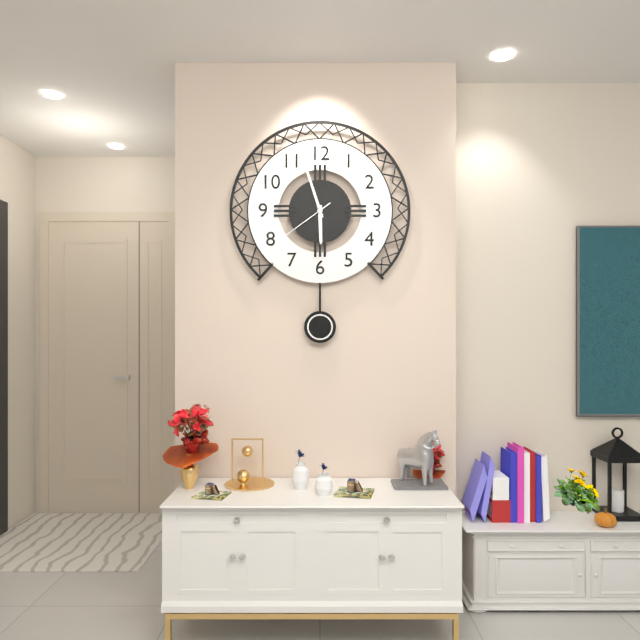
5:57:39
